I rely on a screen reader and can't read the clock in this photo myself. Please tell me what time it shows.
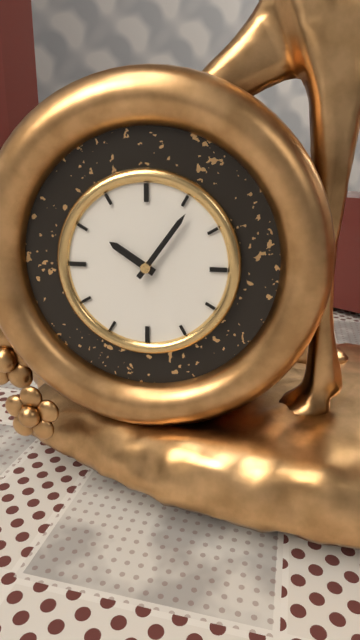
10:06
